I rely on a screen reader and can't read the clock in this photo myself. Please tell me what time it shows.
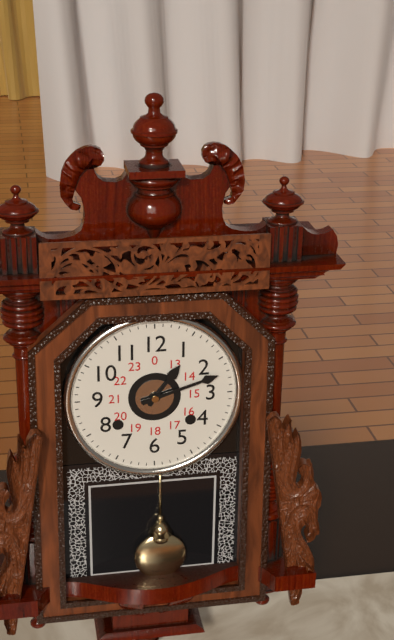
1:12
